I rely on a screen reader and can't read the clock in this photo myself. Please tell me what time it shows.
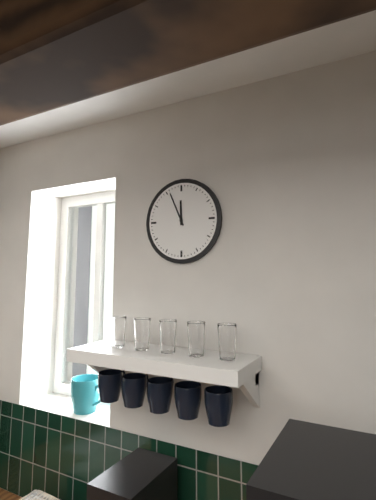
11:56
